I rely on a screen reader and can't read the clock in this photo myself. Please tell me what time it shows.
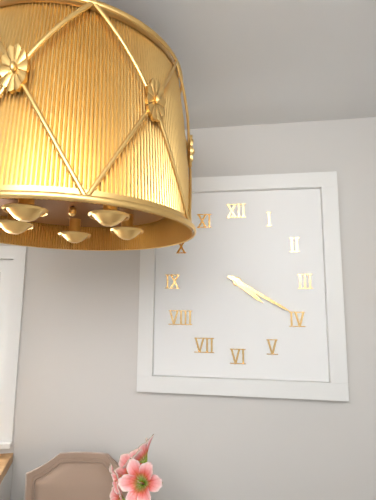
4:20
